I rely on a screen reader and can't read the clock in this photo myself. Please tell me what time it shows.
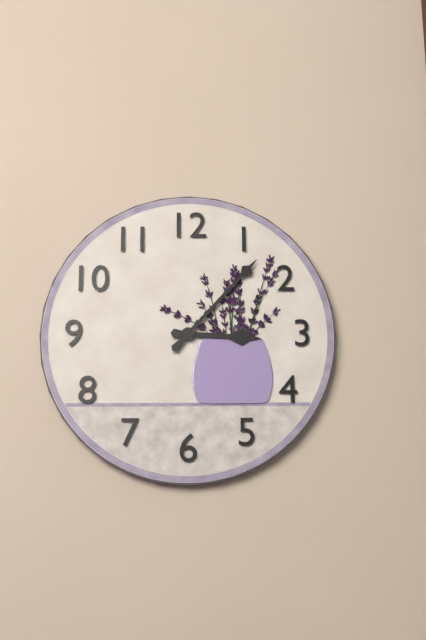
3:07
